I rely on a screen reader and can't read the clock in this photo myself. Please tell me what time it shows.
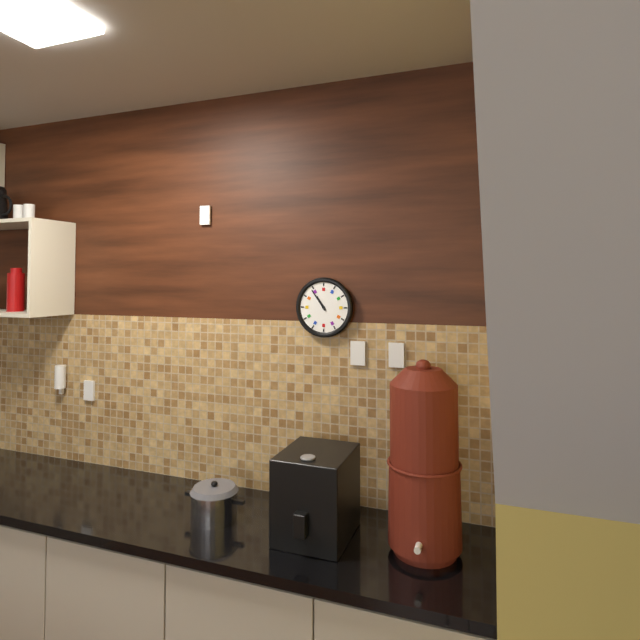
10:54
